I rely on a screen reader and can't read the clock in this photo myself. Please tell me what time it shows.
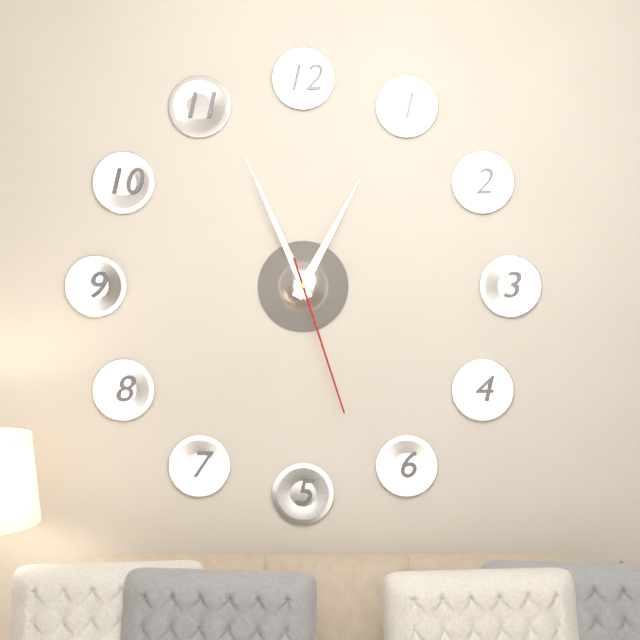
12:56:27
